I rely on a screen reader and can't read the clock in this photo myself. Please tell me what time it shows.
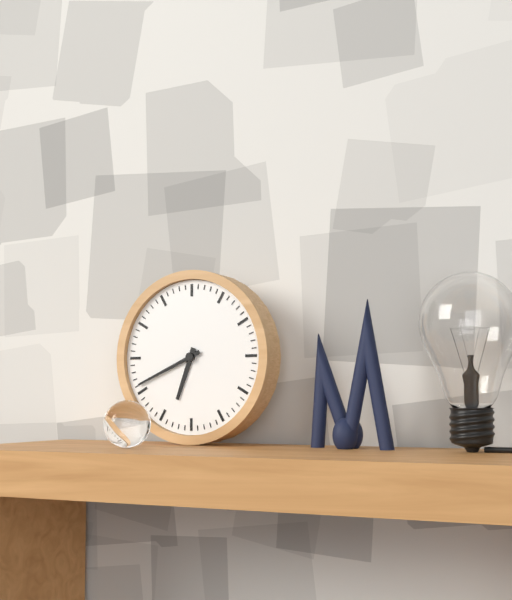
6:41
